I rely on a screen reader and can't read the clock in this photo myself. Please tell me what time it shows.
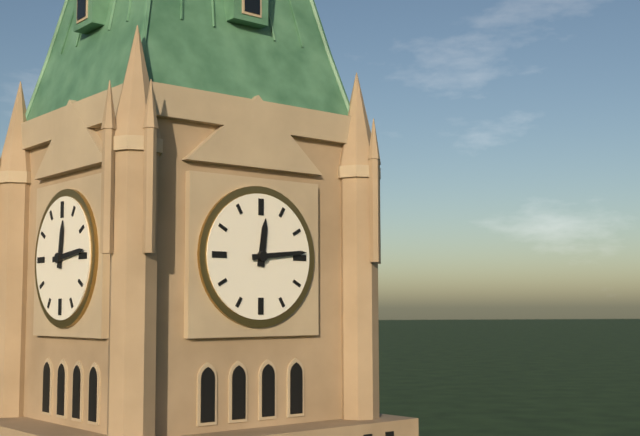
12:14
